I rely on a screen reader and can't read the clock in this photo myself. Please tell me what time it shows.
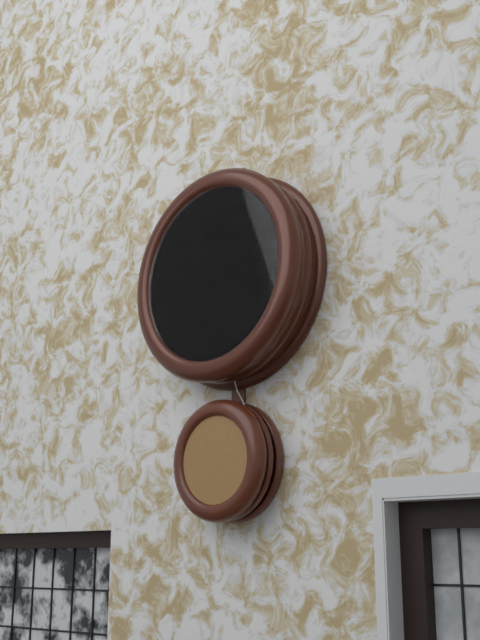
5:13
